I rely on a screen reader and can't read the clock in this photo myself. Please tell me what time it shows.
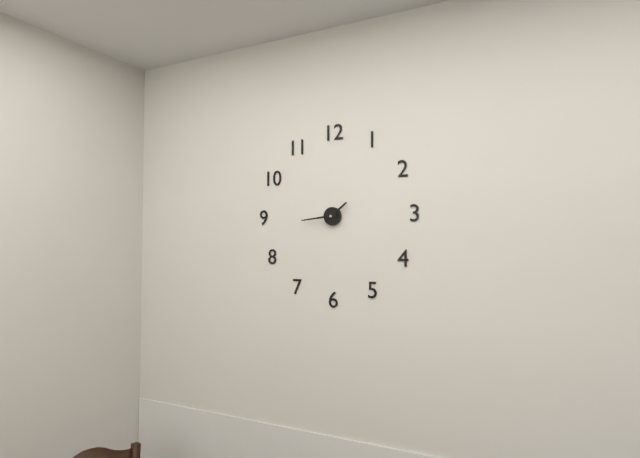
1:44
